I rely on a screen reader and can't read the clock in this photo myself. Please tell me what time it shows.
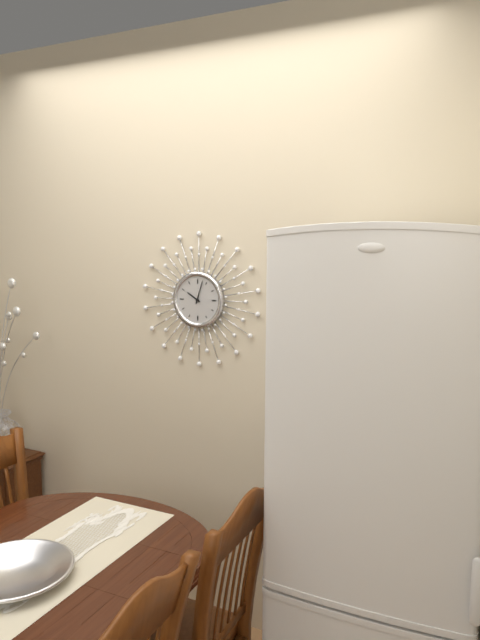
10:03
